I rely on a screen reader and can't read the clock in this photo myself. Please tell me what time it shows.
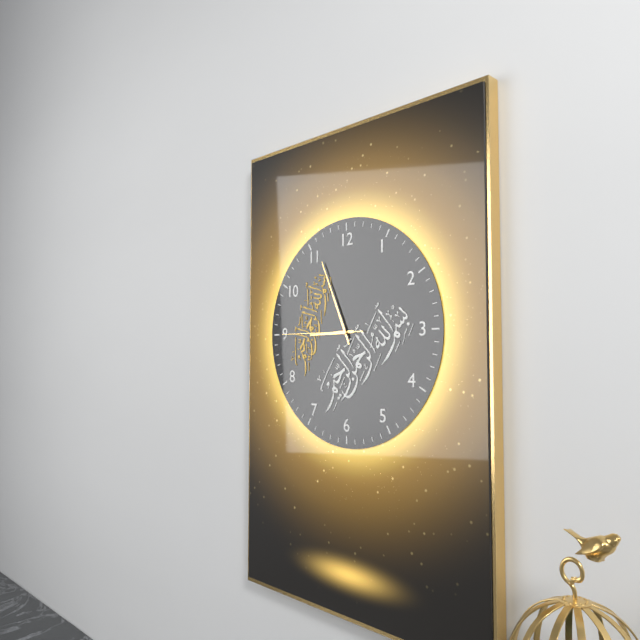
8:56:45
